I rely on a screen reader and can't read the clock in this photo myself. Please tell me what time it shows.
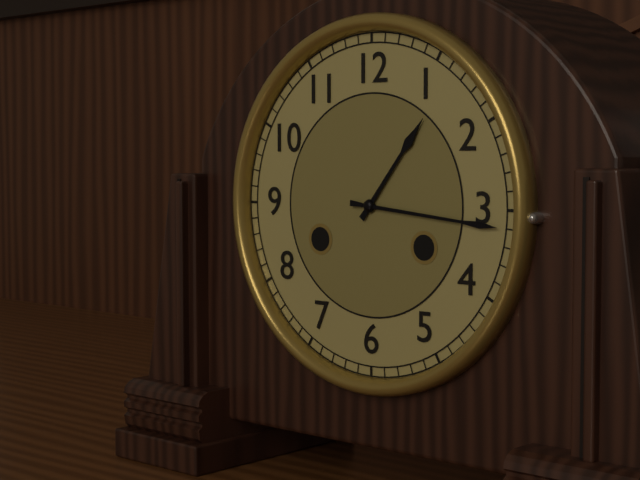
1:16
